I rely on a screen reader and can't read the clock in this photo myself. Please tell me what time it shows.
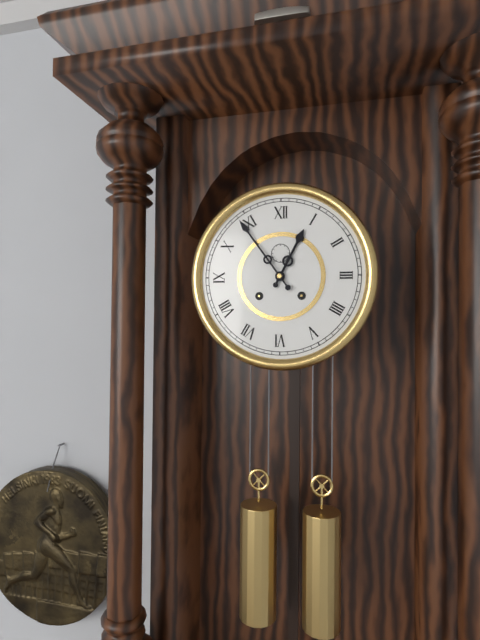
12:54
